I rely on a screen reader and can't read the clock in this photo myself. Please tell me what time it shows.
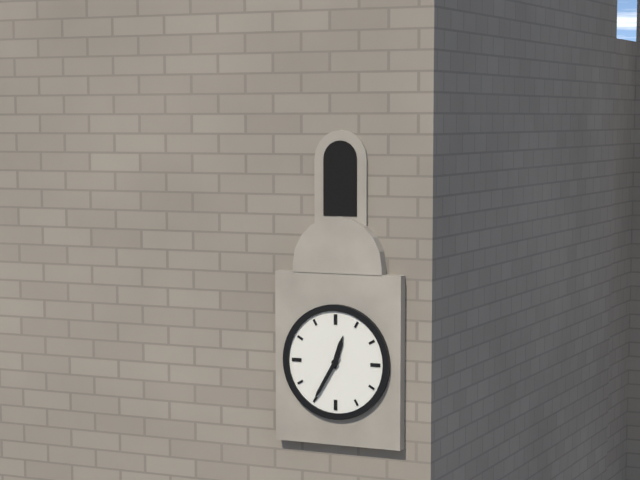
12:35
